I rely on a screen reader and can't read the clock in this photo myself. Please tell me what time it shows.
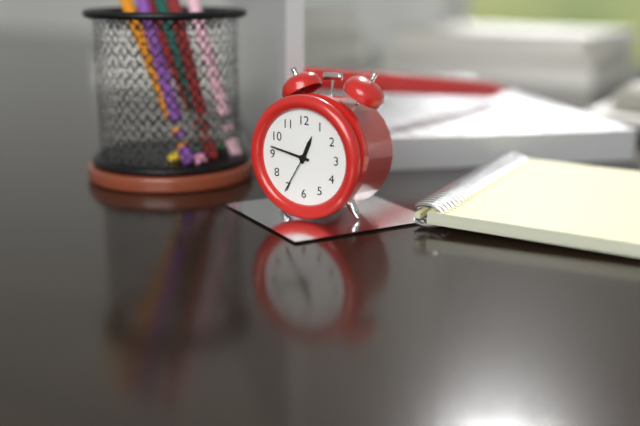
12:47
